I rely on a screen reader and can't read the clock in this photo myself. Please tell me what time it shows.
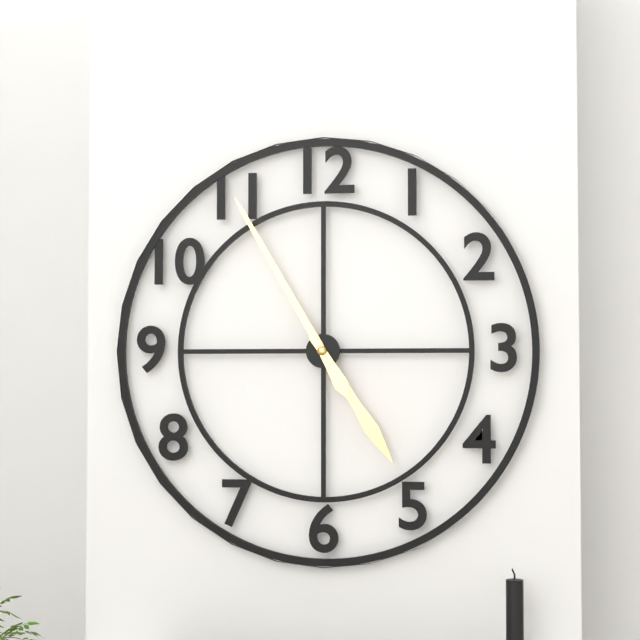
4:55
